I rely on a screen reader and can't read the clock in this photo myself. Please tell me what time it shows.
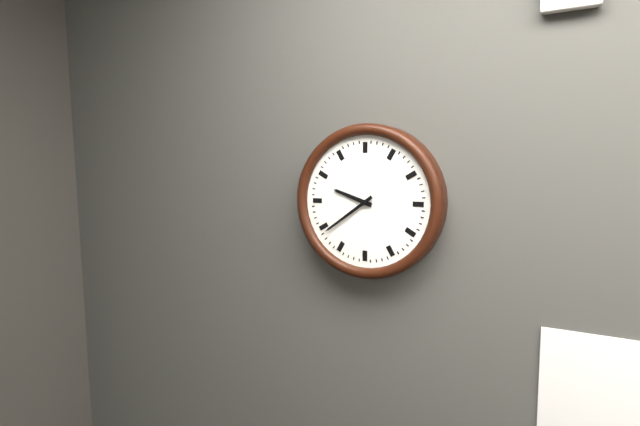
9:39
